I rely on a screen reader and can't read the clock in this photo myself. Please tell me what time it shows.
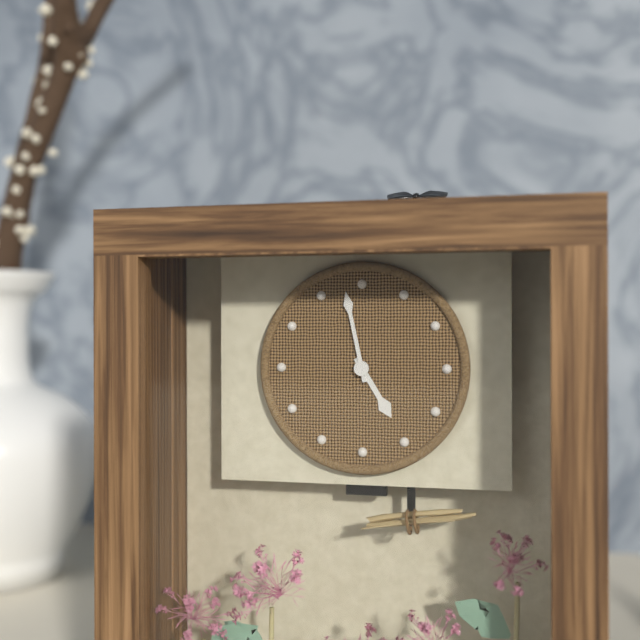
4:58
